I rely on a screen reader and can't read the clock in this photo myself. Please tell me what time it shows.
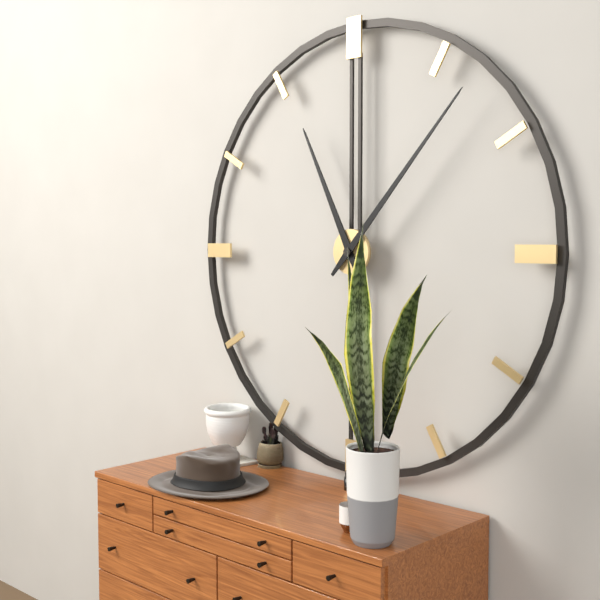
11:07
